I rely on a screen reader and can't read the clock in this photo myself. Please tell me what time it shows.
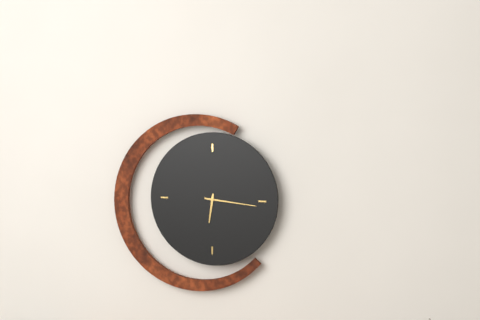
6:16
